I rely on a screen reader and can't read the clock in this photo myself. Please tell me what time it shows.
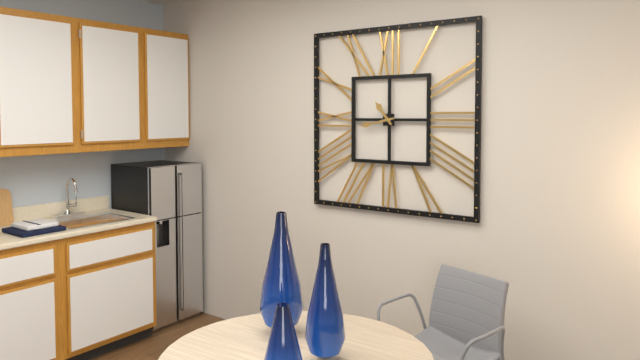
10:43
